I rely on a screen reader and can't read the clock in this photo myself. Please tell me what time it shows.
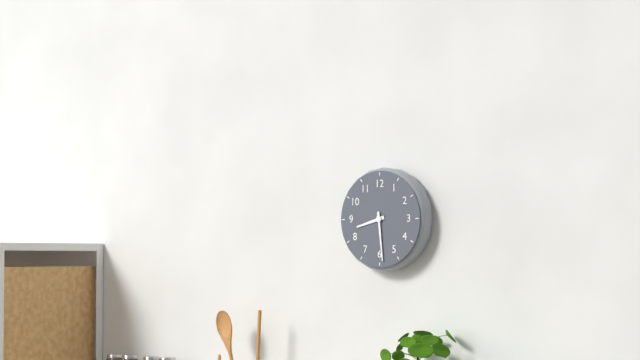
8:29
